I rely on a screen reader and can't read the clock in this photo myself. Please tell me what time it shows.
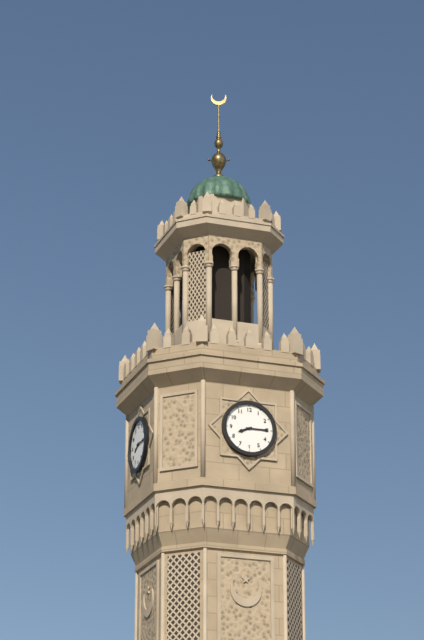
8:15
